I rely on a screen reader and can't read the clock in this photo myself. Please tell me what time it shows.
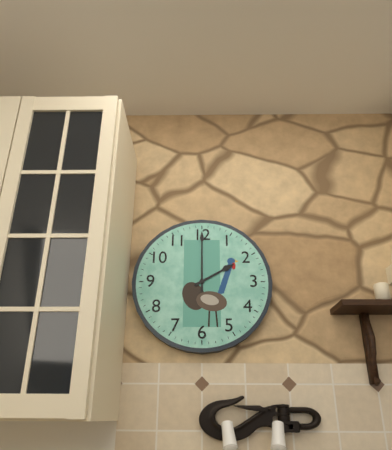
2:00
